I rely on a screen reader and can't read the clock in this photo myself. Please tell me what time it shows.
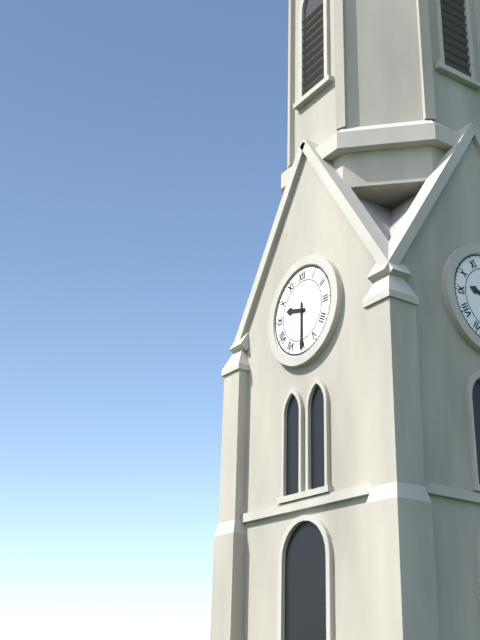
9:30
